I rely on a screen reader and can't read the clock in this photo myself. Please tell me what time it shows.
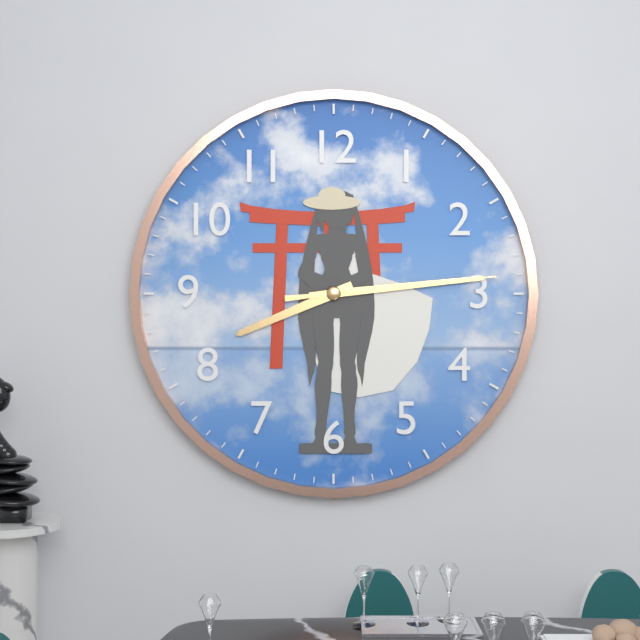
8:14:14
